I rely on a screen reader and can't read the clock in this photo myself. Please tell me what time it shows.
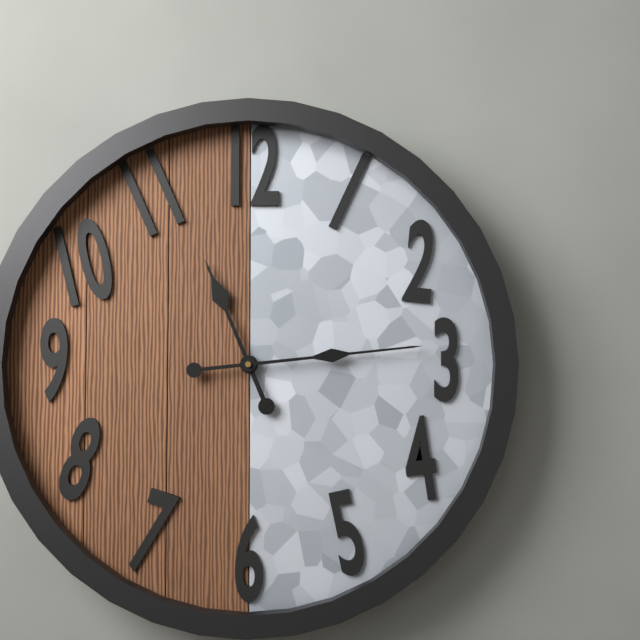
11:14
